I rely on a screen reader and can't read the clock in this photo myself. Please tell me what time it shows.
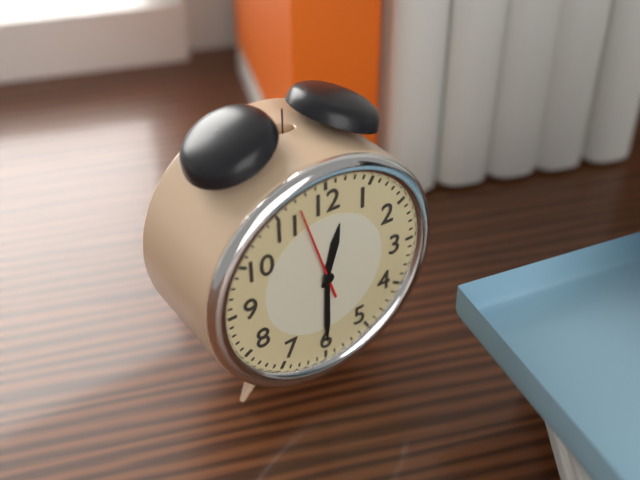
12:30:57
